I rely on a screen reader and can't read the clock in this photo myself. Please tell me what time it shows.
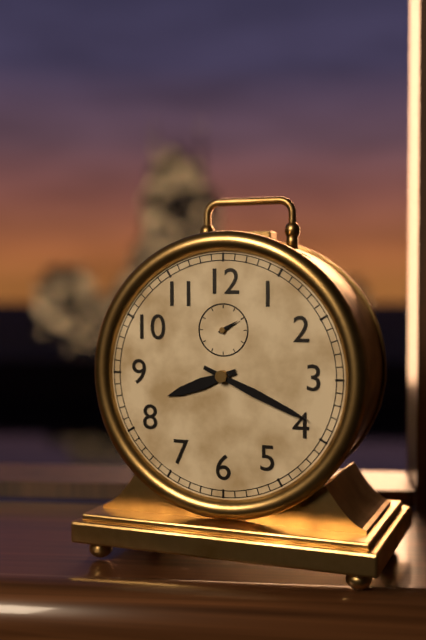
8:19
